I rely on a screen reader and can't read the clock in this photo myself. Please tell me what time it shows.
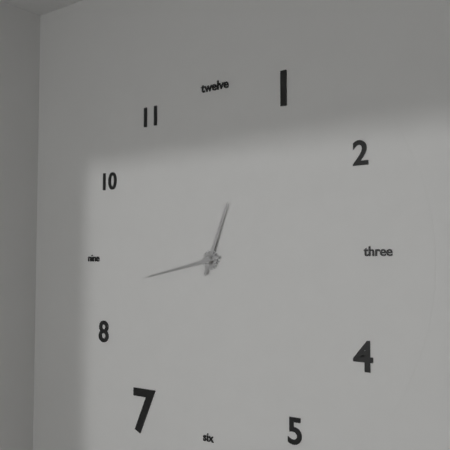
12:43
